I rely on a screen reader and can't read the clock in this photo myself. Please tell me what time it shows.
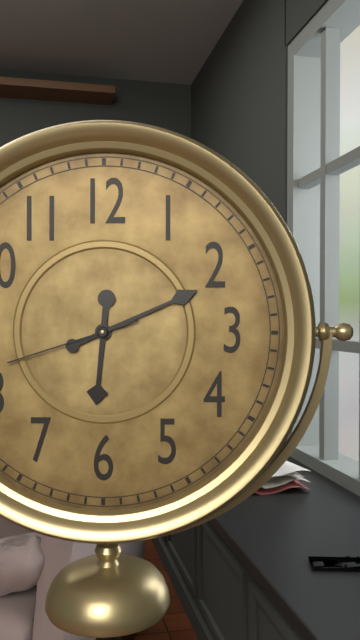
6:11:42
